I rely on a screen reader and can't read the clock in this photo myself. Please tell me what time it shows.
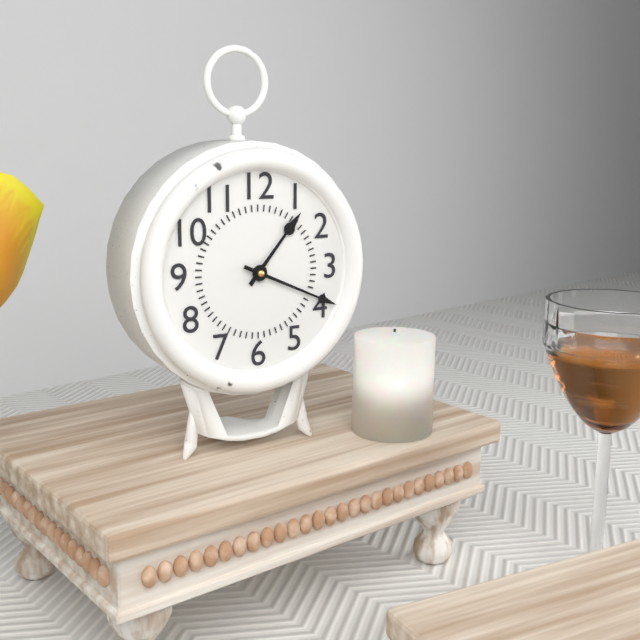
1:19
